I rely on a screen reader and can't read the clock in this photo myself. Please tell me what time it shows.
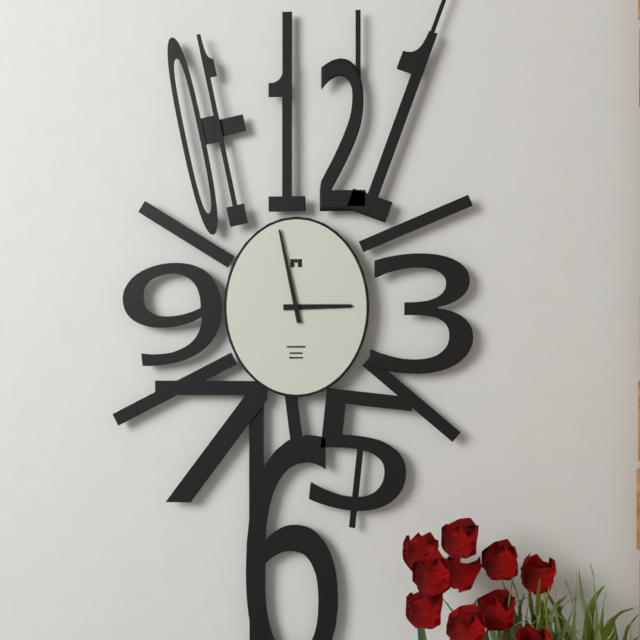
2:58
